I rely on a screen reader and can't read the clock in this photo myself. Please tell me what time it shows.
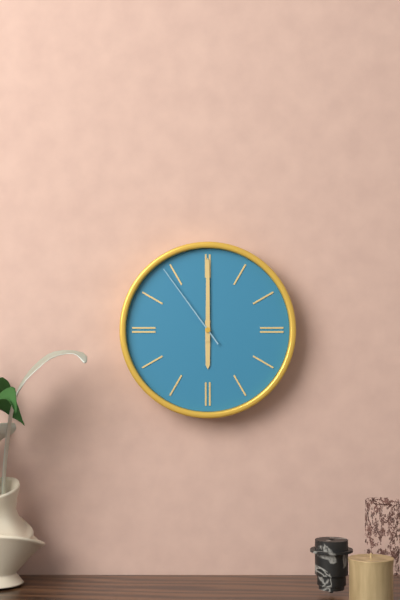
6:00:54
